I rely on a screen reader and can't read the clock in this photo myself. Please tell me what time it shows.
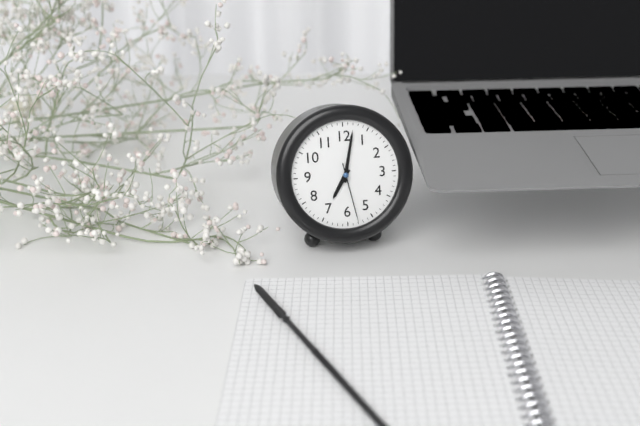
7:02:28
